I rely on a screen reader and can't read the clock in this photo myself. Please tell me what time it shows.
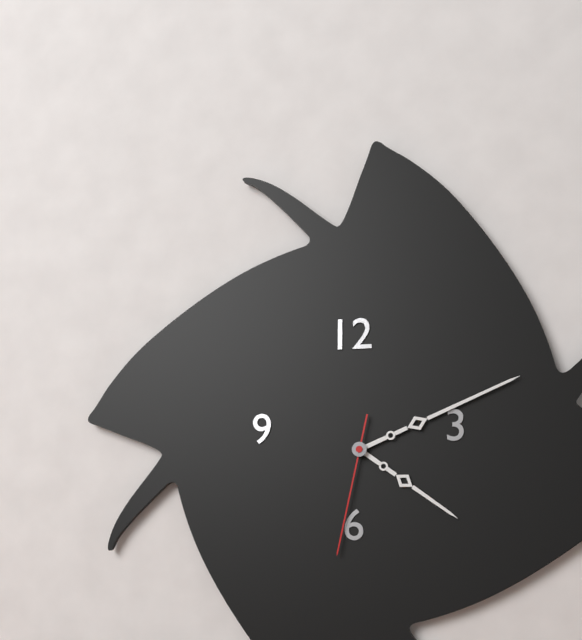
4:11:32
